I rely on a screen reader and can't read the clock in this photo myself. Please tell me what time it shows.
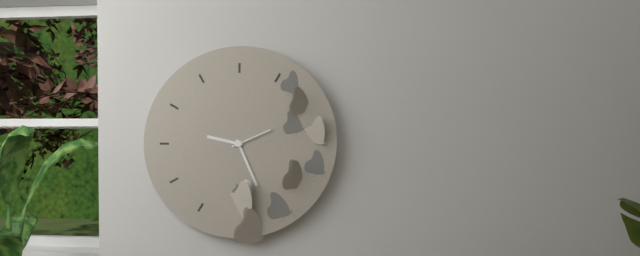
9:26
